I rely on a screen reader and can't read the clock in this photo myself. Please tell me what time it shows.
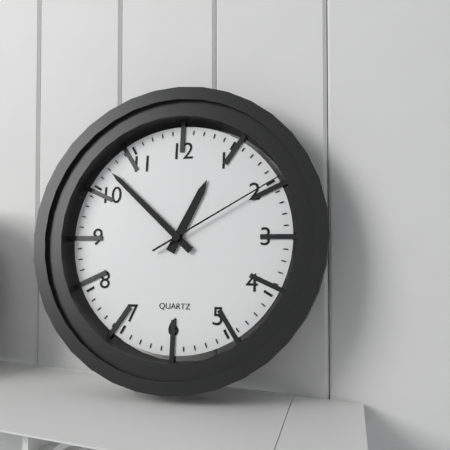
12:52:10
